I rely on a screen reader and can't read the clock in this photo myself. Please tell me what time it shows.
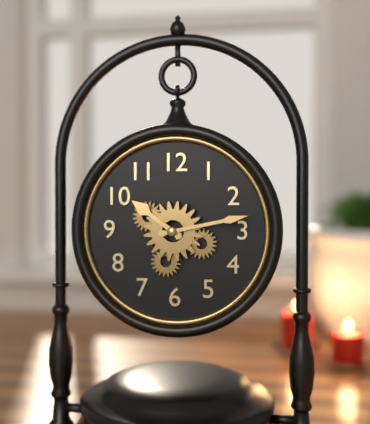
10:13
